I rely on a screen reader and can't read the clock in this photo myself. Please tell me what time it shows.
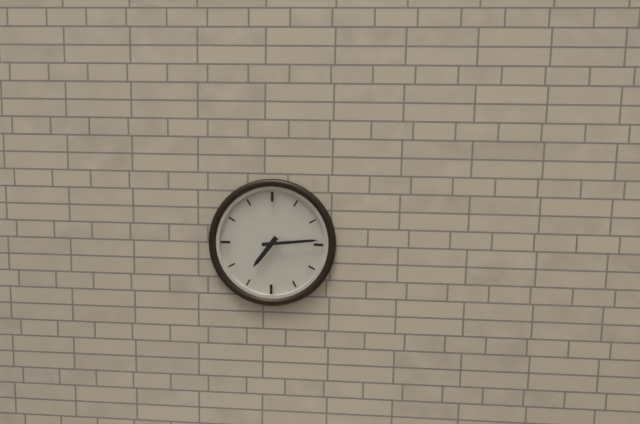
7:14
